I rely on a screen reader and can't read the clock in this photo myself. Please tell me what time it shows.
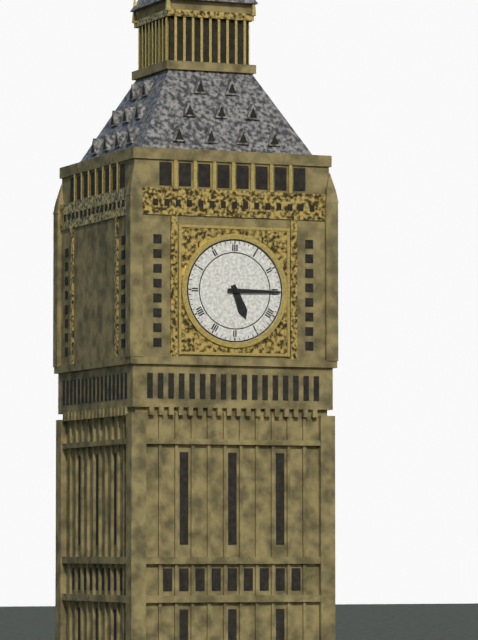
5:15
